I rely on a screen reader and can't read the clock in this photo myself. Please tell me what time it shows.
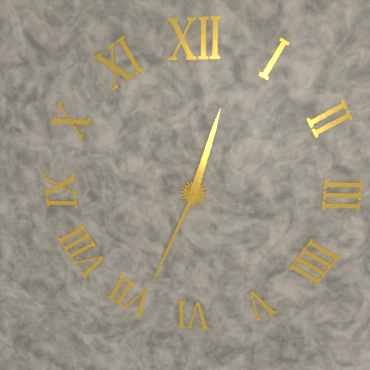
12:34
